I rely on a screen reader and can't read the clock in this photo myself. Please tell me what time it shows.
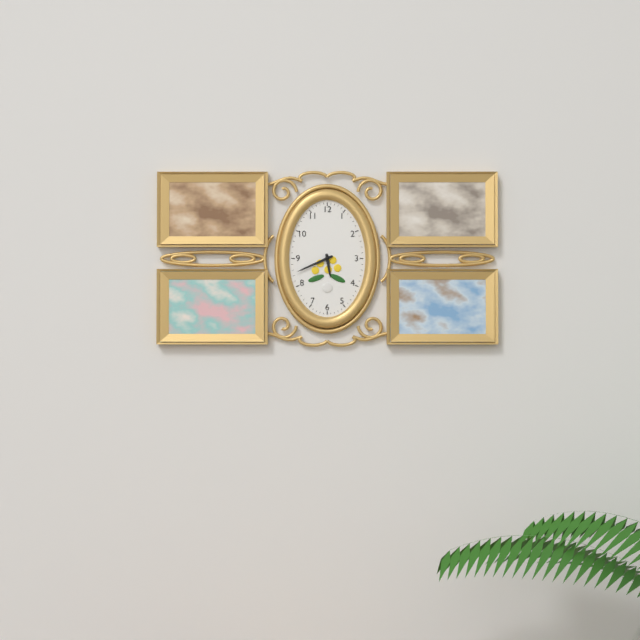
5:41
